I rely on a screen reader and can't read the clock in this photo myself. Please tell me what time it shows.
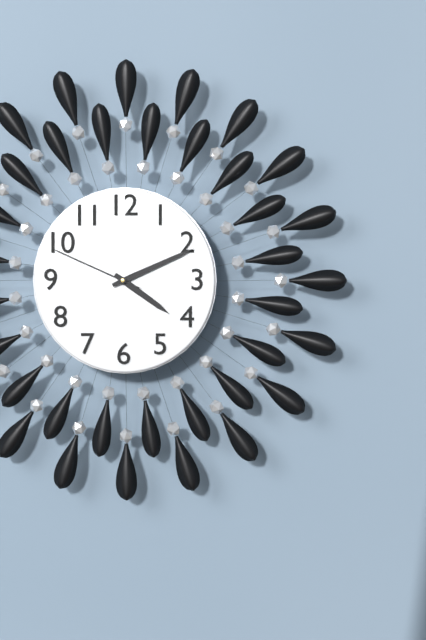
4:11:49
